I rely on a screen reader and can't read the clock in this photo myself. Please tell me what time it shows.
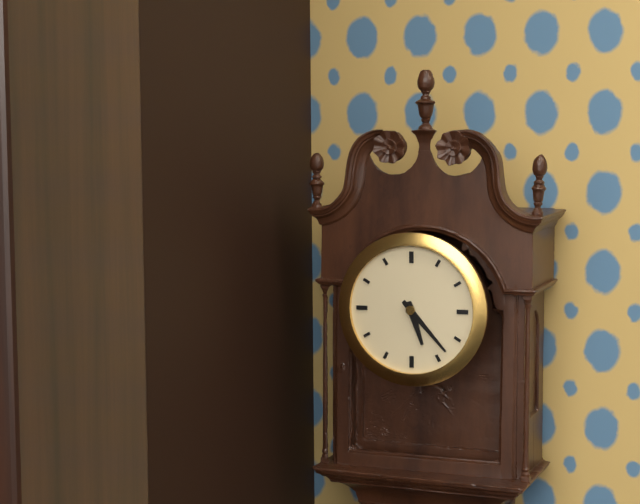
5:23
